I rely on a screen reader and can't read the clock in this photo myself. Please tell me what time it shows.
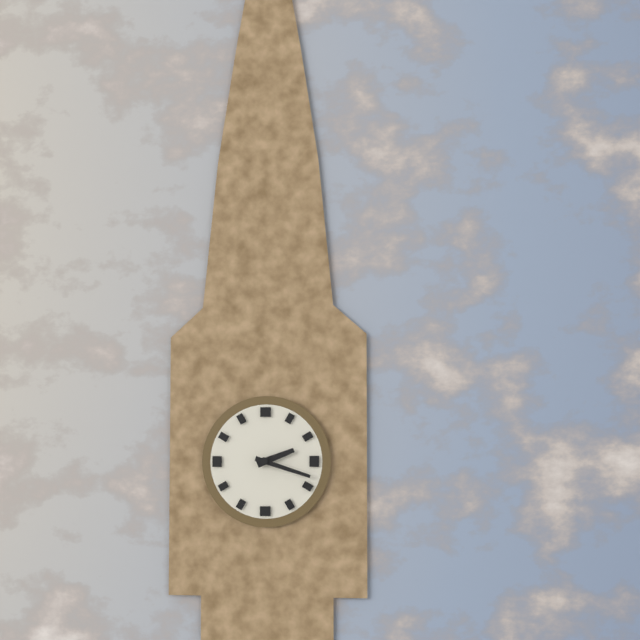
2:18
